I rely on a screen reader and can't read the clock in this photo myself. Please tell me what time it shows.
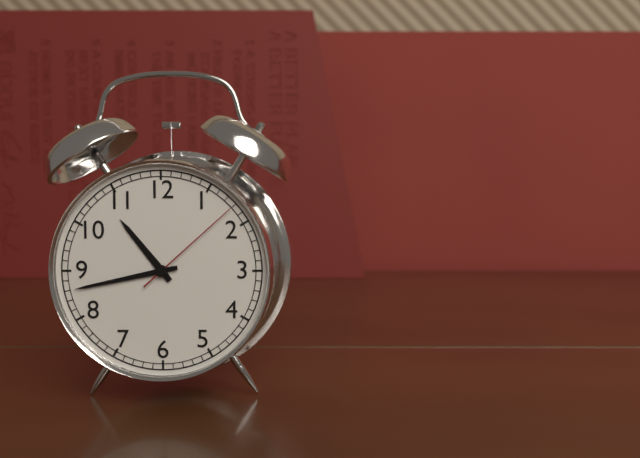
10:43:08
